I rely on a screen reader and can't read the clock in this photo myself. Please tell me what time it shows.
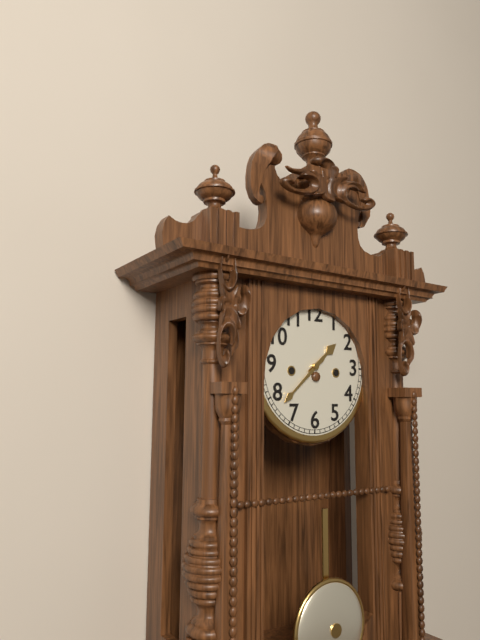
1:38
